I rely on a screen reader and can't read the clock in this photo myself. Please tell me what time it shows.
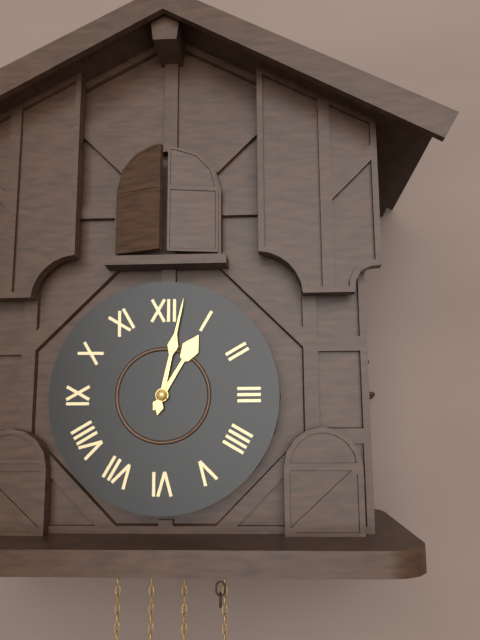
1:02
